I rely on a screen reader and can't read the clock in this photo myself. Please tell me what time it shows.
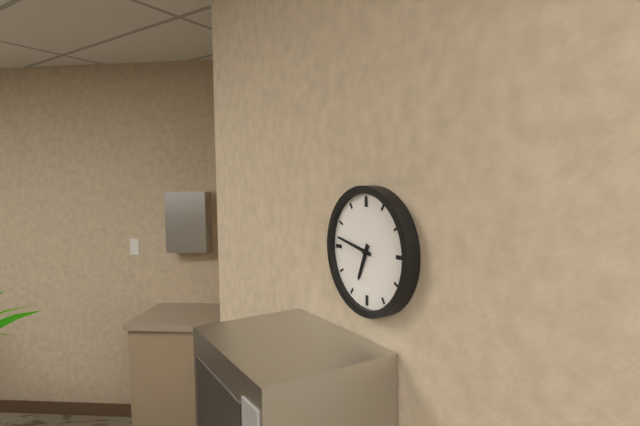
6:47
